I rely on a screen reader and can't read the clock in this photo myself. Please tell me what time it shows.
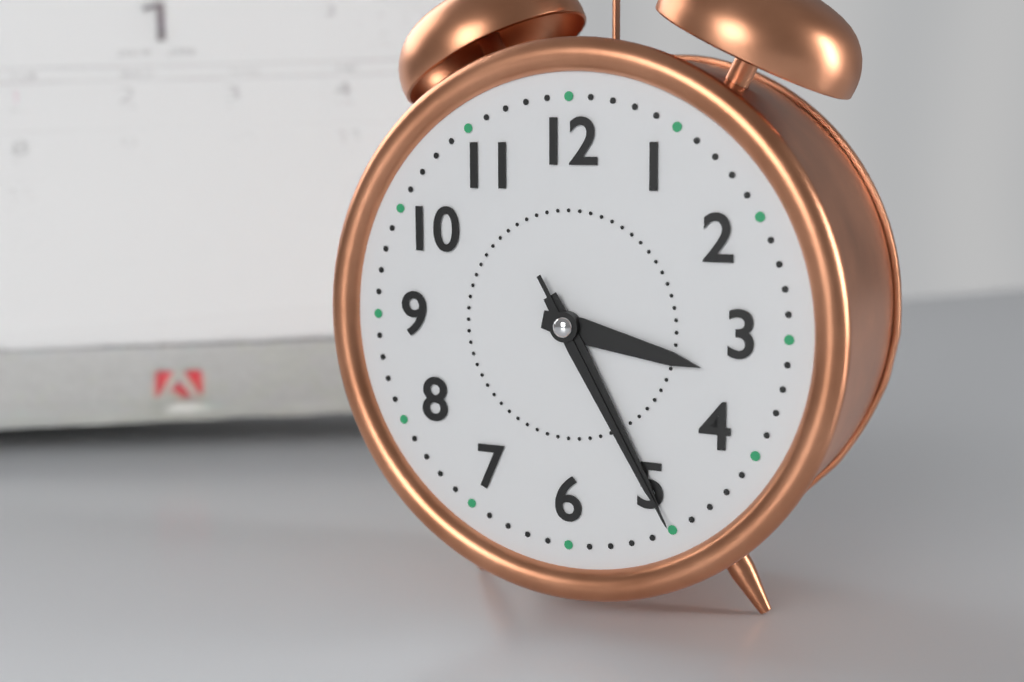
3:25:25
